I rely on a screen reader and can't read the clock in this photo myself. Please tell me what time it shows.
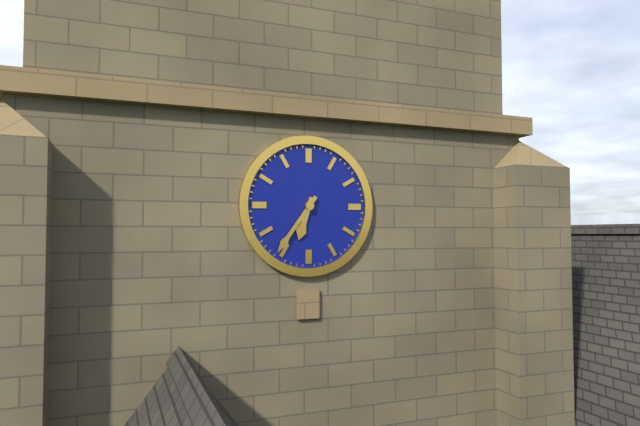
6:36
